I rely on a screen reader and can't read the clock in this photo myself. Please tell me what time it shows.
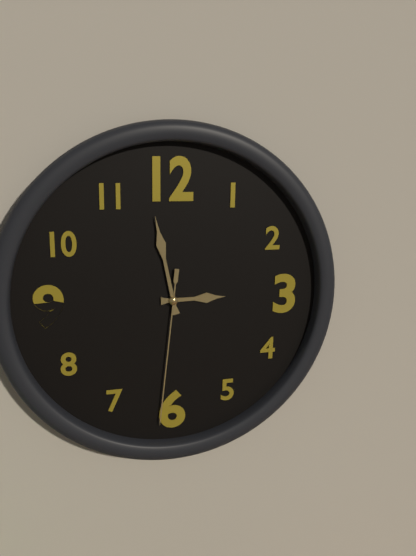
2:58:31
